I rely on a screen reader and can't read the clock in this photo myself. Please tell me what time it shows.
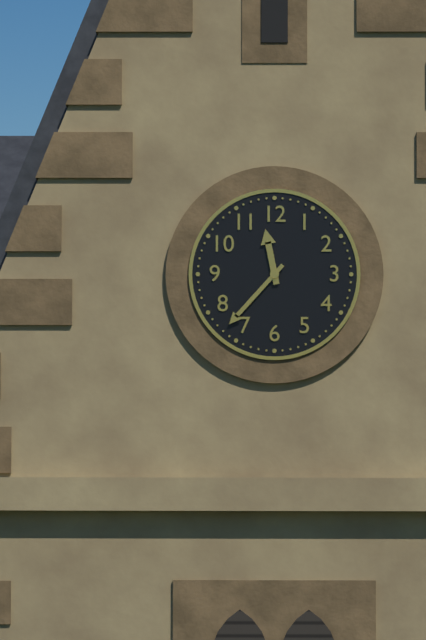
11:37
